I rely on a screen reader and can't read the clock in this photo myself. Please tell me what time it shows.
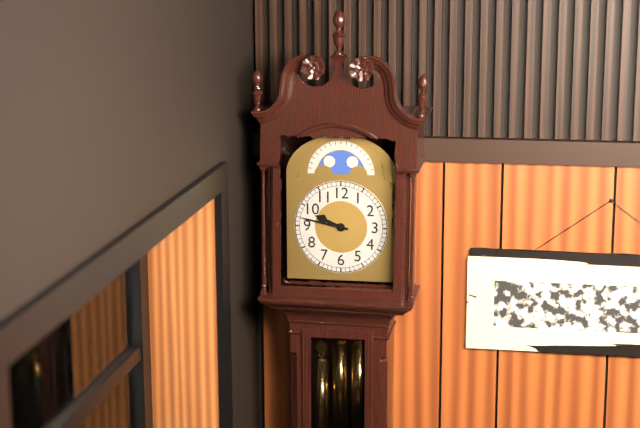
9:47
